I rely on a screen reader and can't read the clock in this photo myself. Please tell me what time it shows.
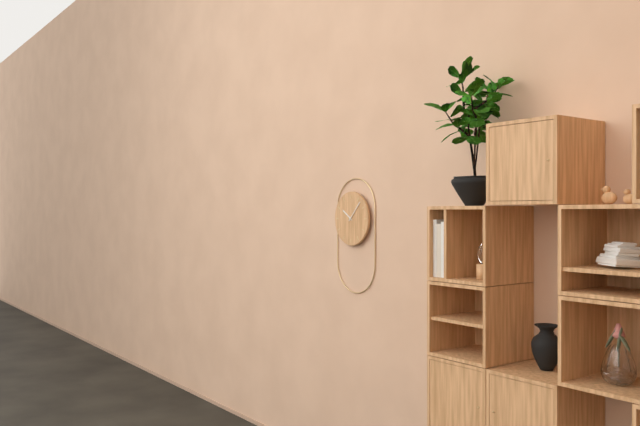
10:07
